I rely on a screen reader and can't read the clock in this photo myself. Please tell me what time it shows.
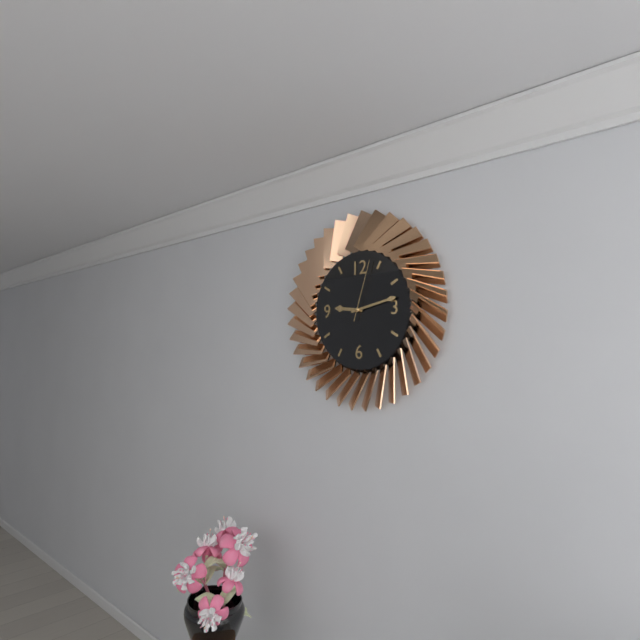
9:13:03
